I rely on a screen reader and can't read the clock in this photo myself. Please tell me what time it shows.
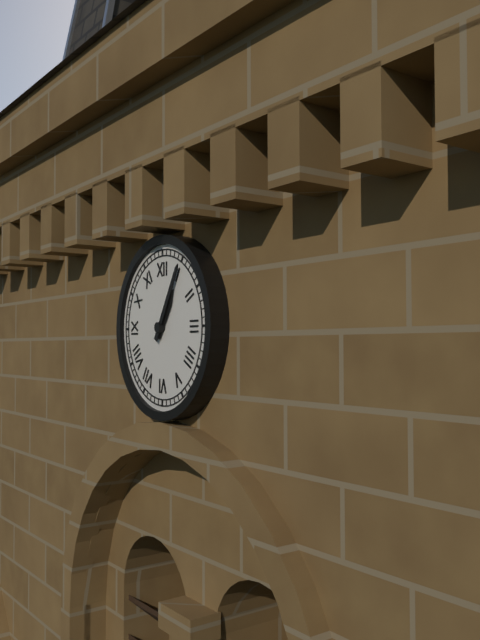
1:05
